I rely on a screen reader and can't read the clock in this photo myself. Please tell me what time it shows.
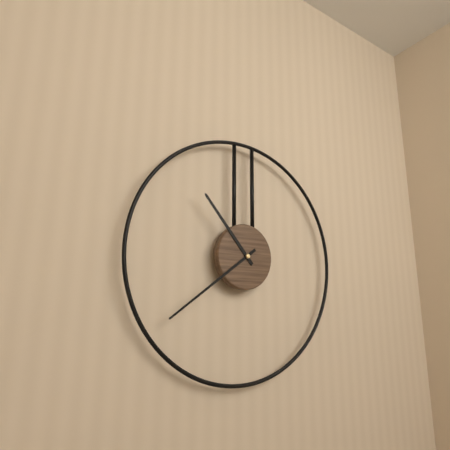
10:39
